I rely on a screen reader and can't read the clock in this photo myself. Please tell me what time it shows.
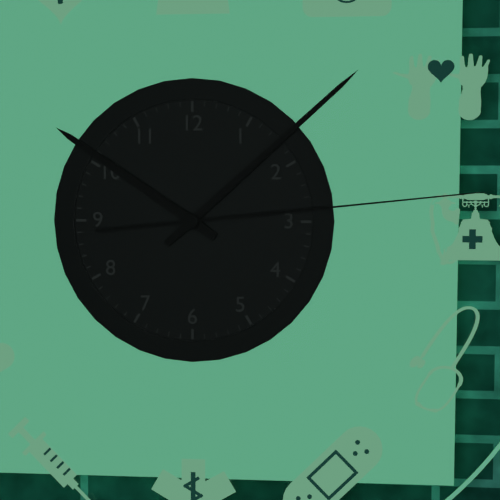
10:08:14
